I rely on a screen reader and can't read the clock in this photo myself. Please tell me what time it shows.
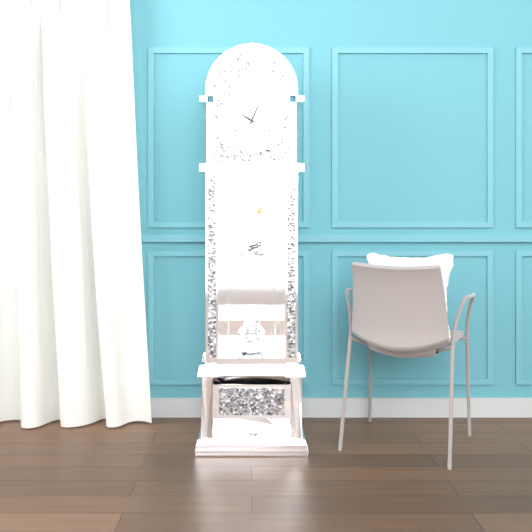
10:04
